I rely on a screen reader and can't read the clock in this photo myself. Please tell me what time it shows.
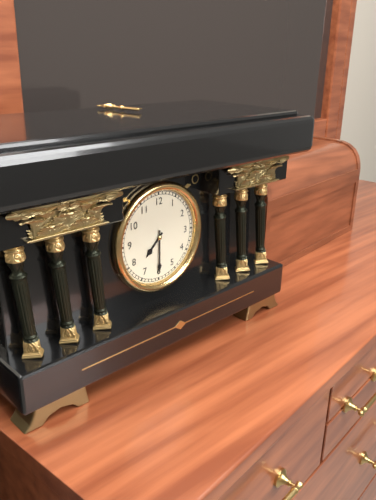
7:30
